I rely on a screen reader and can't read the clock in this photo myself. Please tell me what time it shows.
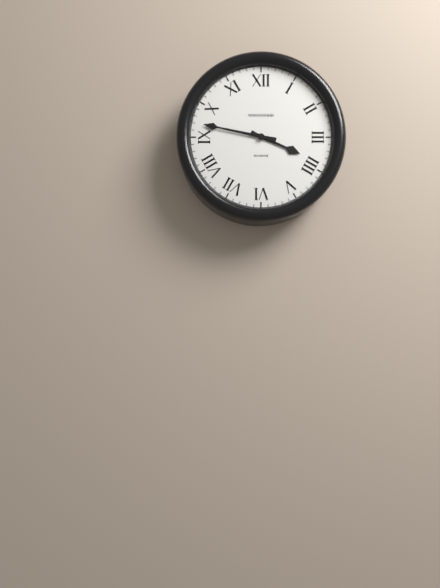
3:47
